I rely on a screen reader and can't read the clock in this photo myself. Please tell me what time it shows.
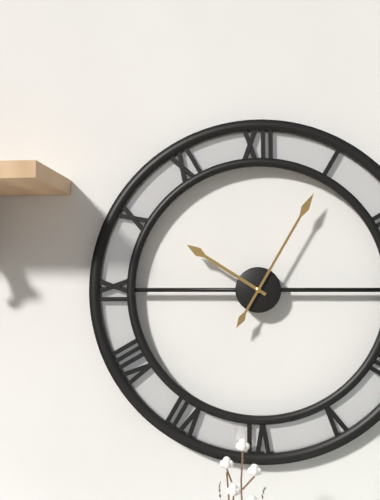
10:05
